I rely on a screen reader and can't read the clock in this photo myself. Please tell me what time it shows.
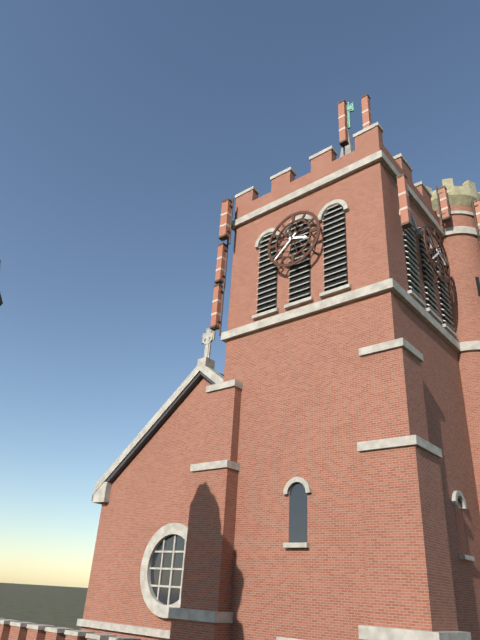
3:38
